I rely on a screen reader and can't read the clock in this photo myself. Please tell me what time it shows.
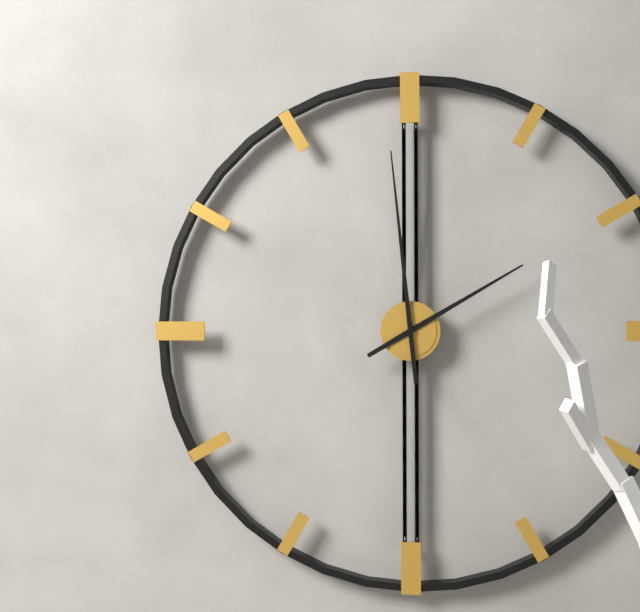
1:59
